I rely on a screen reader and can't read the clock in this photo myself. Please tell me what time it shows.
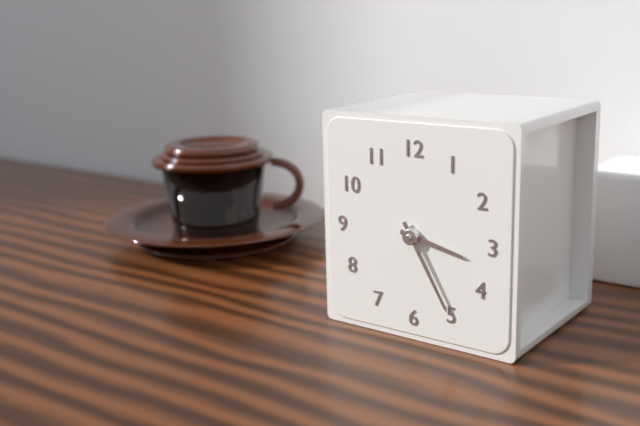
3:25
